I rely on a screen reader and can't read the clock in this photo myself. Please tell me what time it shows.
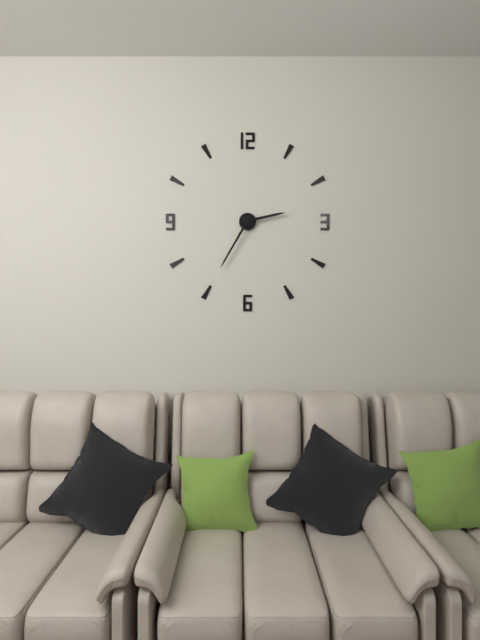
2:35
